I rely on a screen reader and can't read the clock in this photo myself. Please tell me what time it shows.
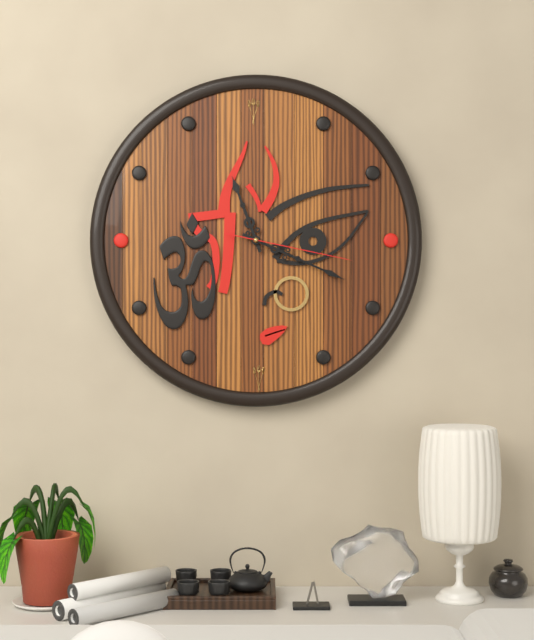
11:19:17
